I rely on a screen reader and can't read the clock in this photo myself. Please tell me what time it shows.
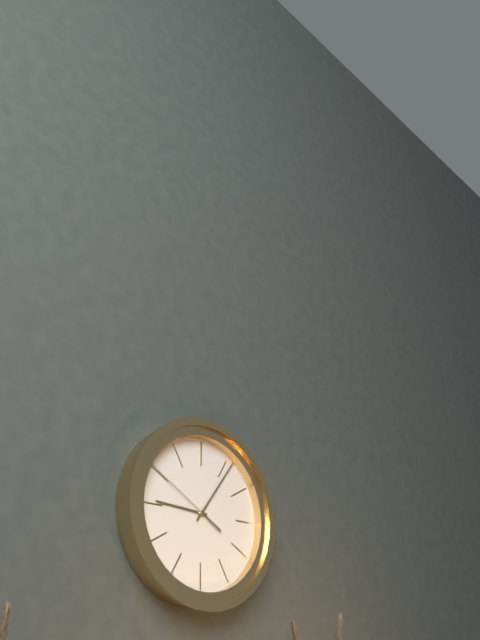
9:06:50
